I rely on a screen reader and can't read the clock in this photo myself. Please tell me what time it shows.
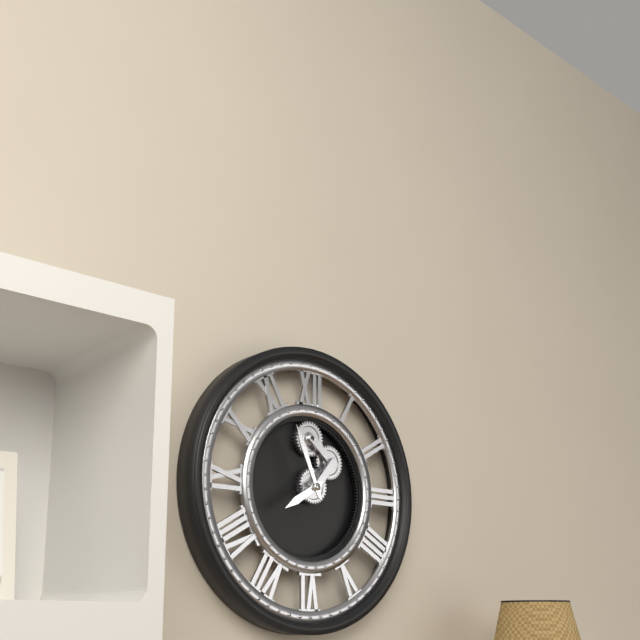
7:56
